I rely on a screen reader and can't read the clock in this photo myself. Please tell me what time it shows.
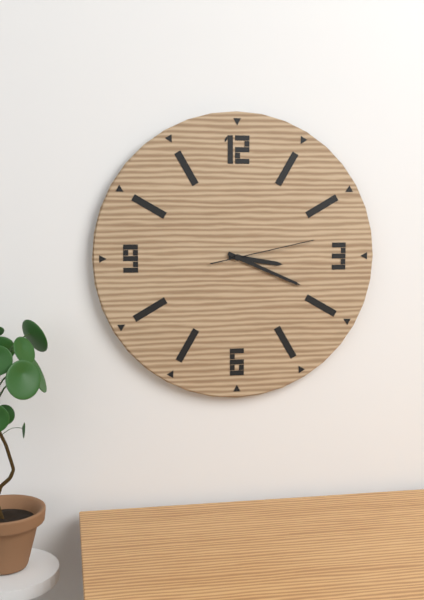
3:19:13
